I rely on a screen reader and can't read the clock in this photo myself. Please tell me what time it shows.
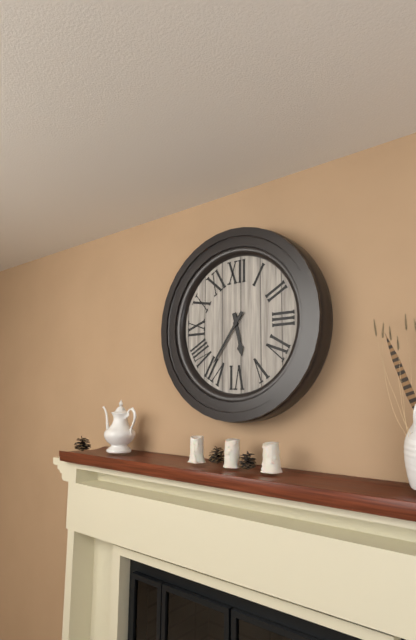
5:36
